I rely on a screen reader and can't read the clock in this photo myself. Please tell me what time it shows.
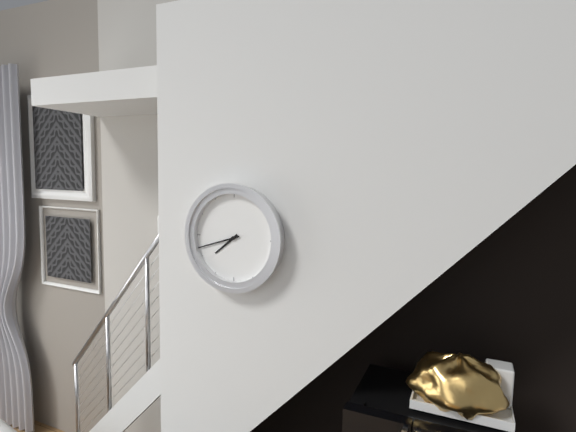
7:42
